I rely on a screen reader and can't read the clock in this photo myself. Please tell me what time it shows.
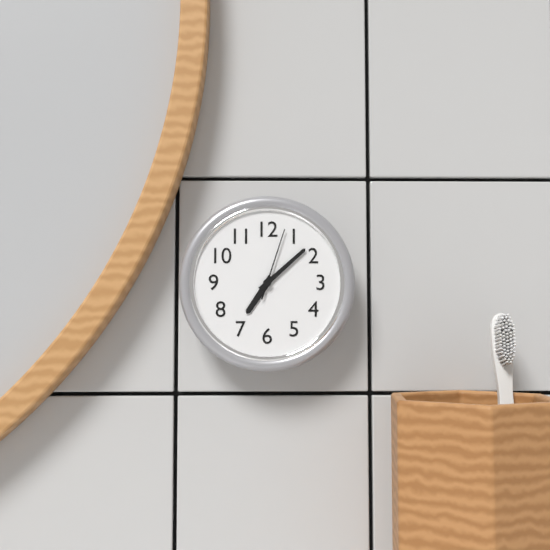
7:08:03
